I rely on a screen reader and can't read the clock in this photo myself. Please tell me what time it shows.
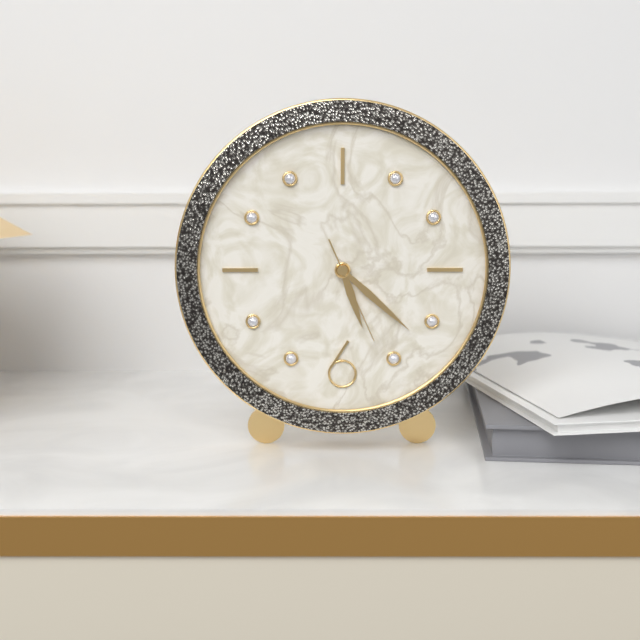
5:22:26
